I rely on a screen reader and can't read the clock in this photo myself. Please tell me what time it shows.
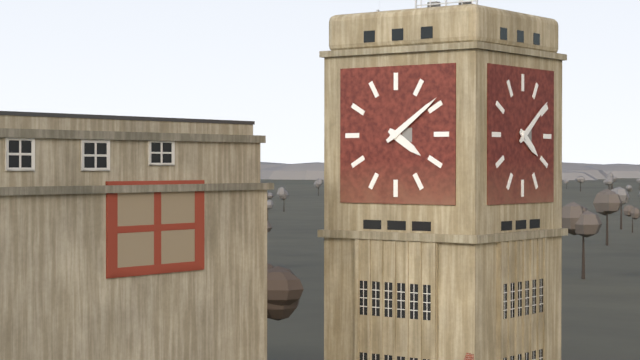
4:09
